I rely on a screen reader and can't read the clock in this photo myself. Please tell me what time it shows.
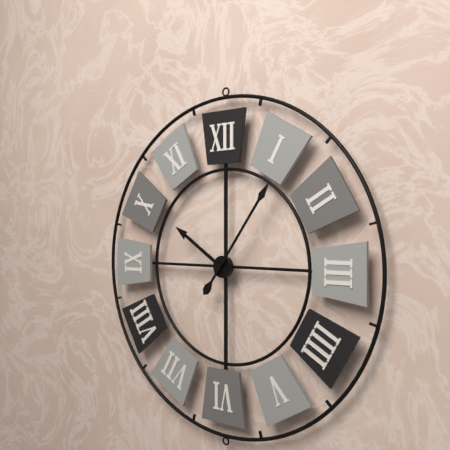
10:06
